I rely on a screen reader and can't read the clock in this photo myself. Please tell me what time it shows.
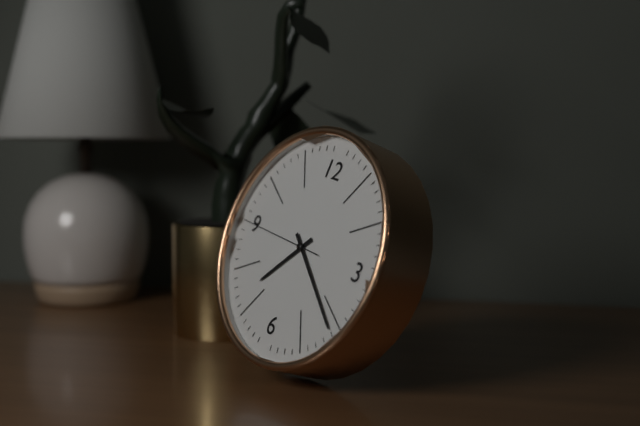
7:21:45
